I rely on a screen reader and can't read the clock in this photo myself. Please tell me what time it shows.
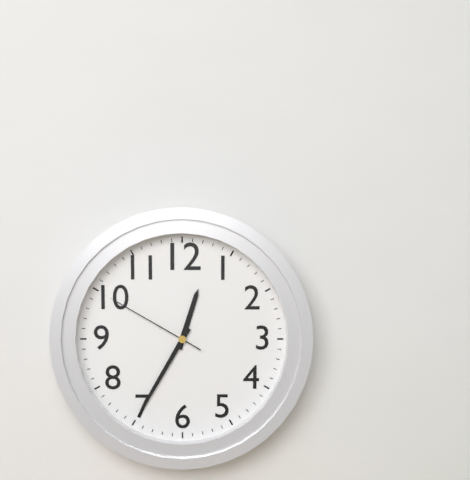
12:35:50
